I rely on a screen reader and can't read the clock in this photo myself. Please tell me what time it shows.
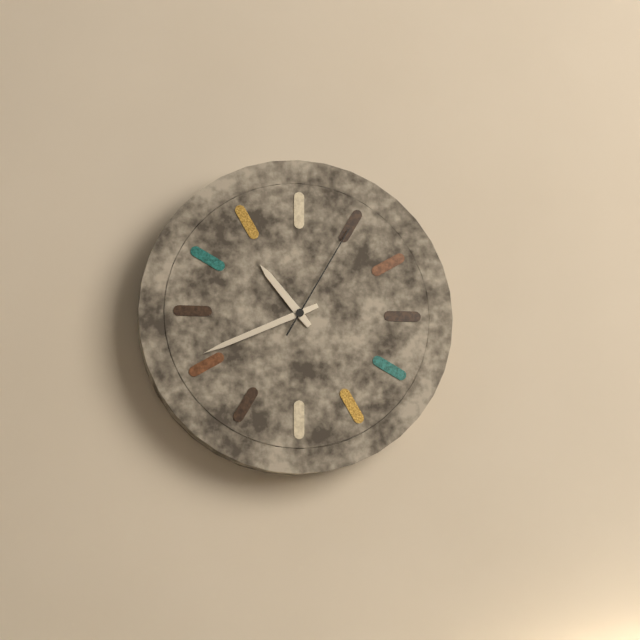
10:41:05
